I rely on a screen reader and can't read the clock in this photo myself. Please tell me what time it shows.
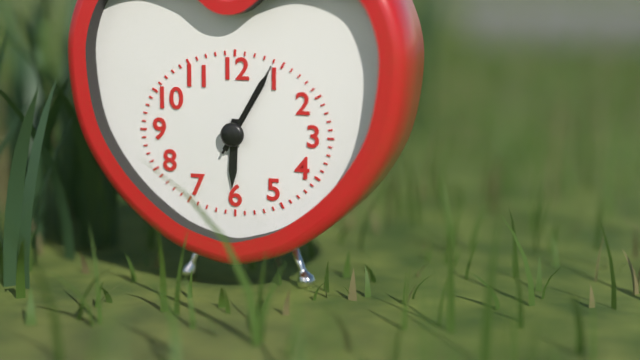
6:05:05
